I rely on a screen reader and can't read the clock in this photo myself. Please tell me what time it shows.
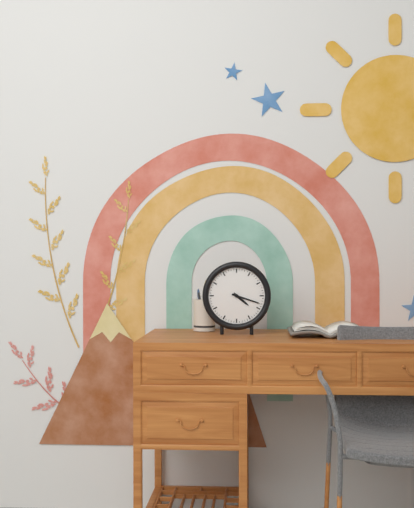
4:18
